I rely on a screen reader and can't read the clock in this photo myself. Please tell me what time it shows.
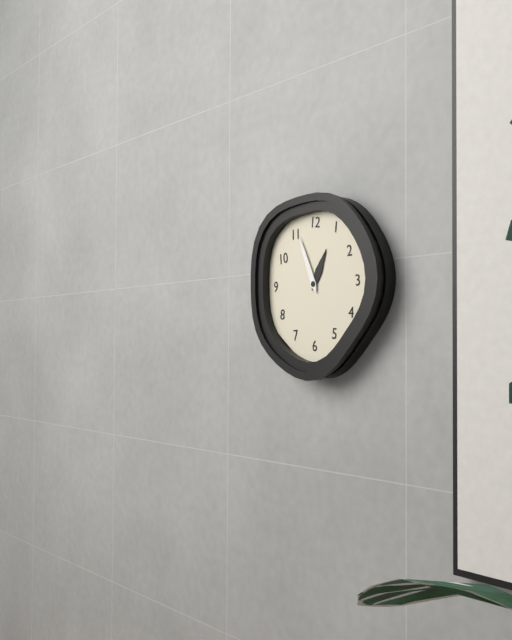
12:56
